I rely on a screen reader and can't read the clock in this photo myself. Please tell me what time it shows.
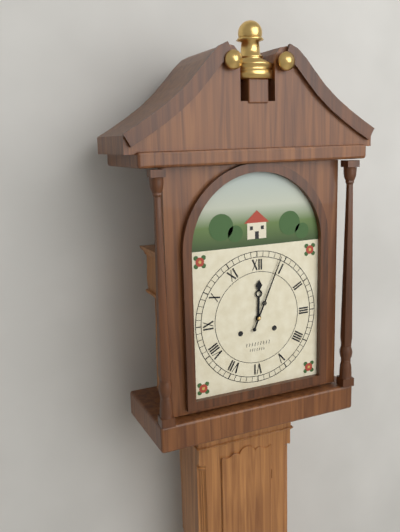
12:04
